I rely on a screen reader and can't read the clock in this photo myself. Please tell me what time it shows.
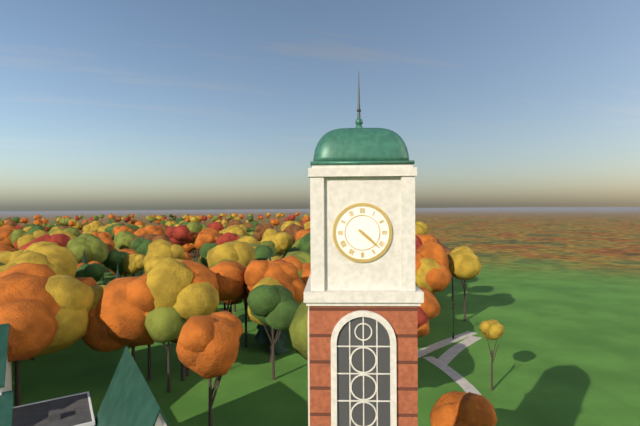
4:22
